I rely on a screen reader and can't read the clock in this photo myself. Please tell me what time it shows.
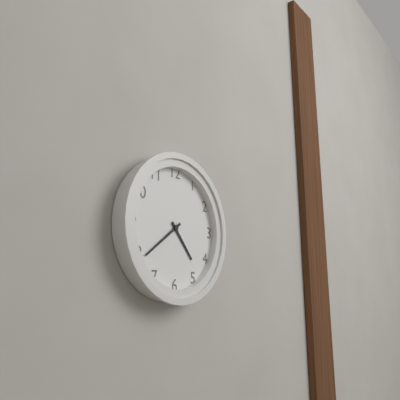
4:39
